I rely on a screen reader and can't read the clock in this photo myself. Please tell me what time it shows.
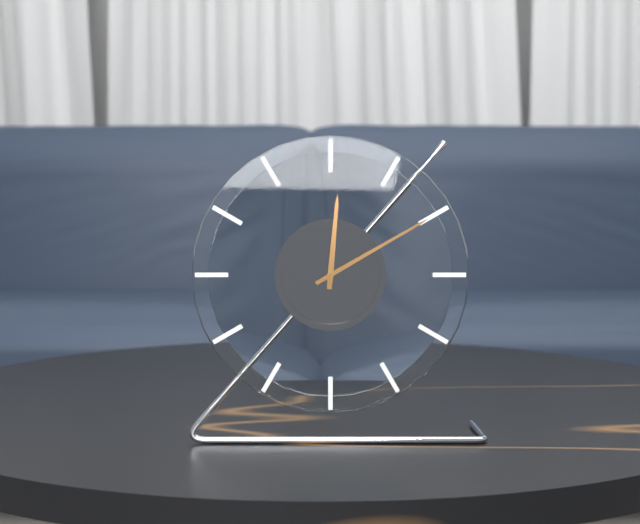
12:10
